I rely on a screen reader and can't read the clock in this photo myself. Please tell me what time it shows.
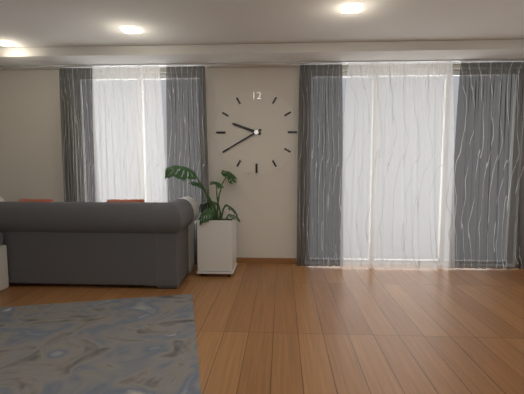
9:40
